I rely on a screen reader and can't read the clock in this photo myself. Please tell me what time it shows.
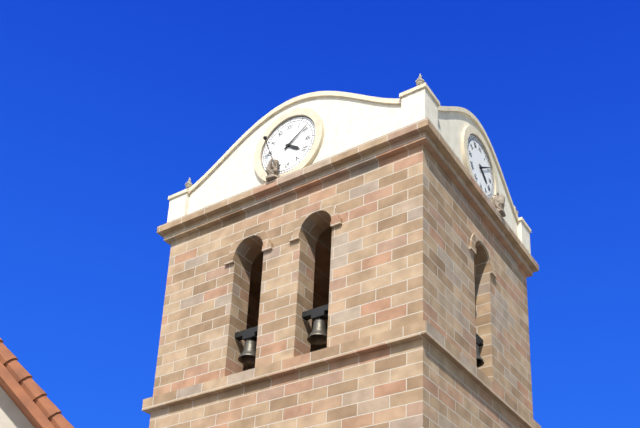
4:09
